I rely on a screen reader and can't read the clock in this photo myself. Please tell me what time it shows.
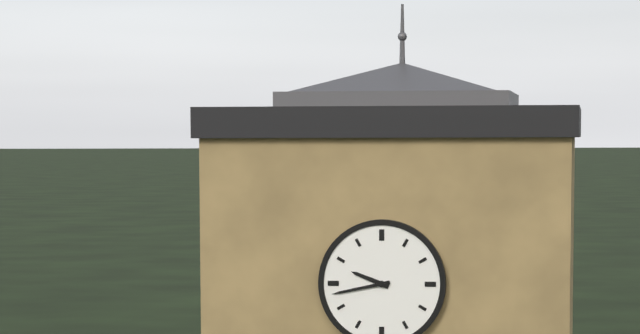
9:43
